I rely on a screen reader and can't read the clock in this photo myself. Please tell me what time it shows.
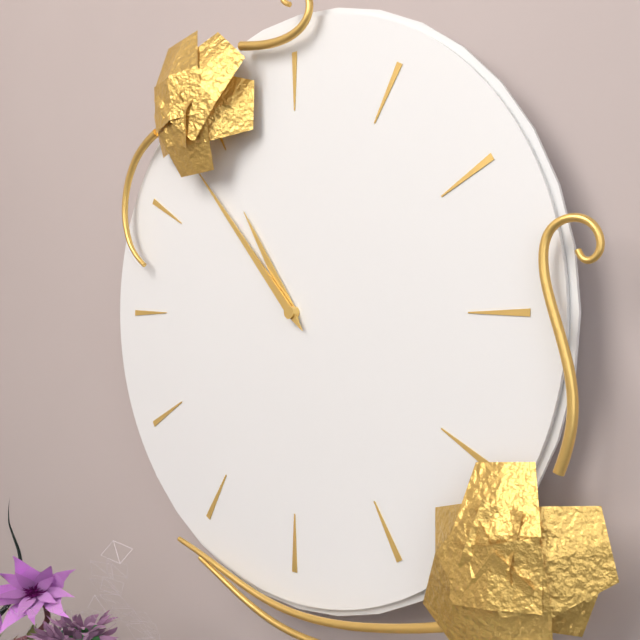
10:53
